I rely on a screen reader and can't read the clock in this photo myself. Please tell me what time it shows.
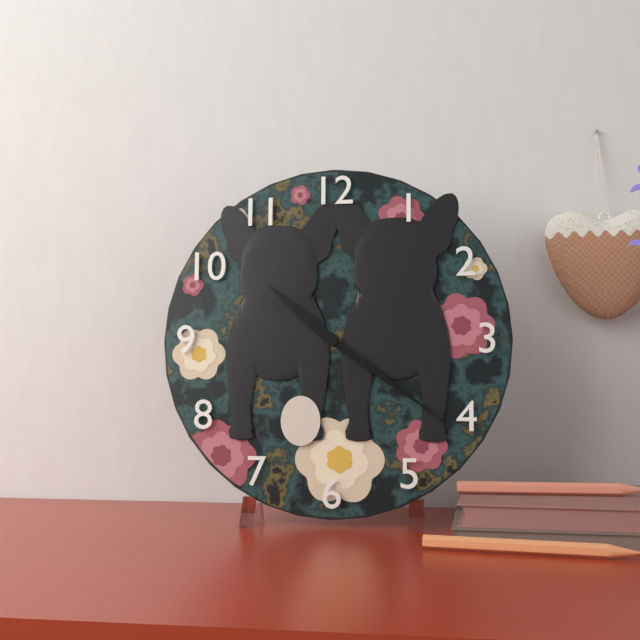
10:21
